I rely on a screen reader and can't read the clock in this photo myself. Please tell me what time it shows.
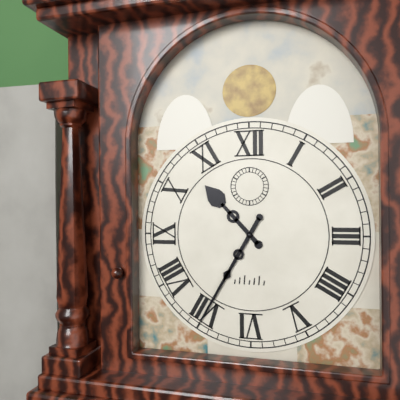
10:35
